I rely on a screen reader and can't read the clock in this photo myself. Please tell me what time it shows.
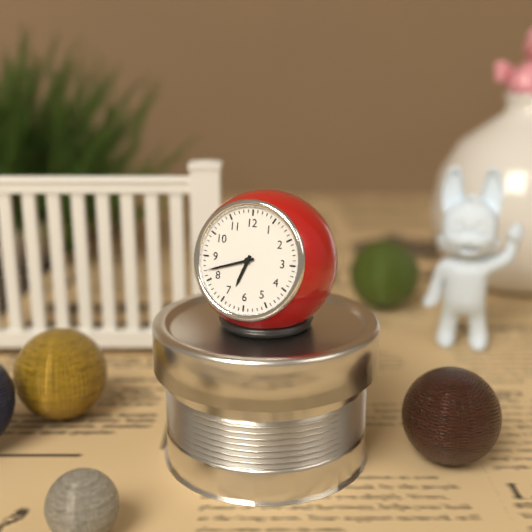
6:42
